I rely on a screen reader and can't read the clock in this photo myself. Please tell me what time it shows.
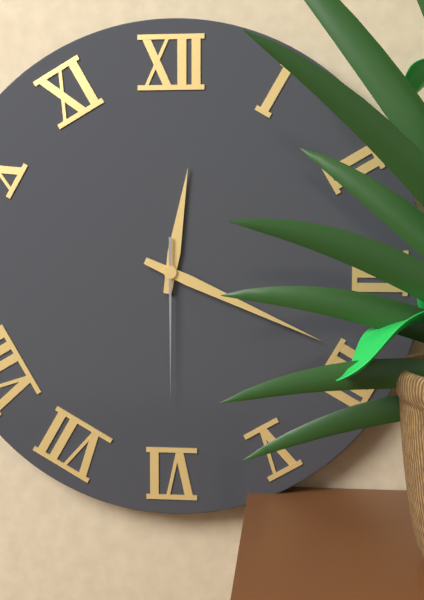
12:19:30
